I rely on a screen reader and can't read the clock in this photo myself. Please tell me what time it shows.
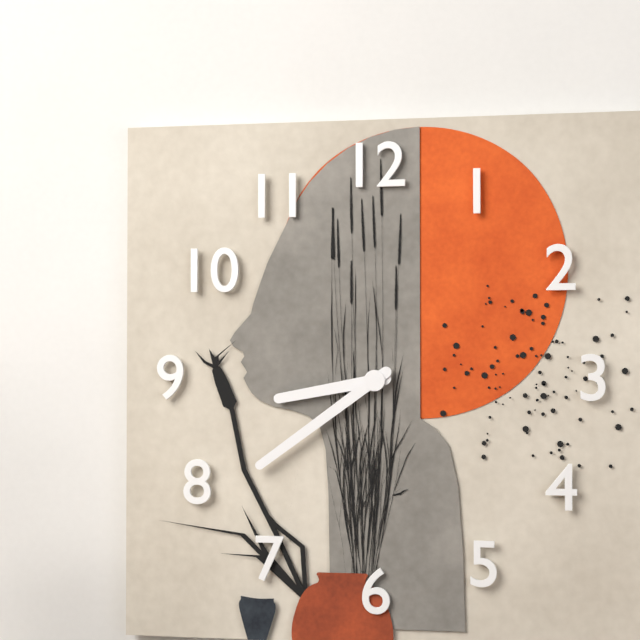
8:39
